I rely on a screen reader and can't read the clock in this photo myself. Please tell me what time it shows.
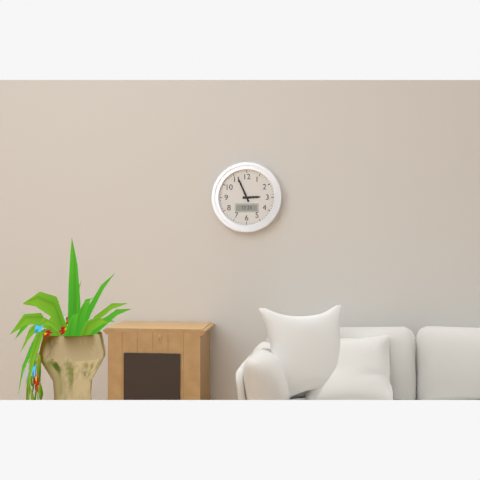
2:56
